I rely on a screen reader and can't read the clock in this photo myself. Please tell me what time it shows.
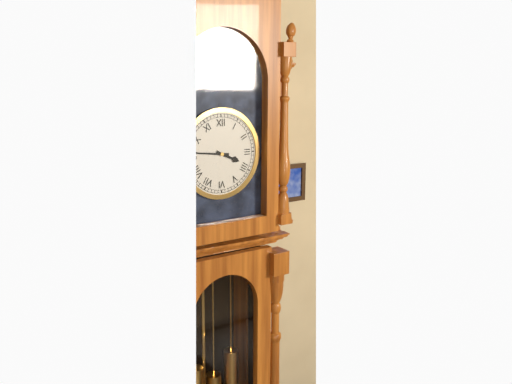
3:46
